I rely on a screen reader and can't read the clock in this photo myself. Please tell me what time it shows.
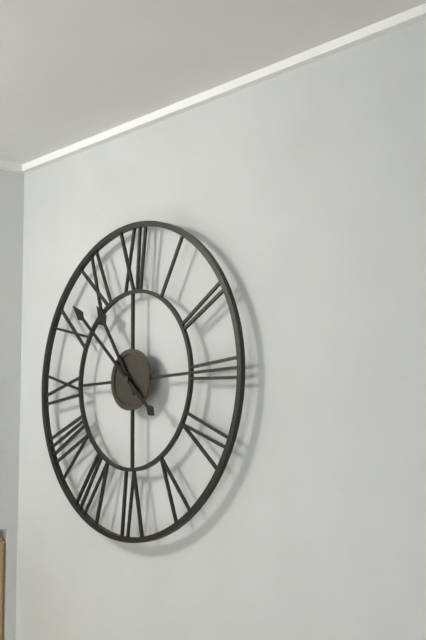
10:52
